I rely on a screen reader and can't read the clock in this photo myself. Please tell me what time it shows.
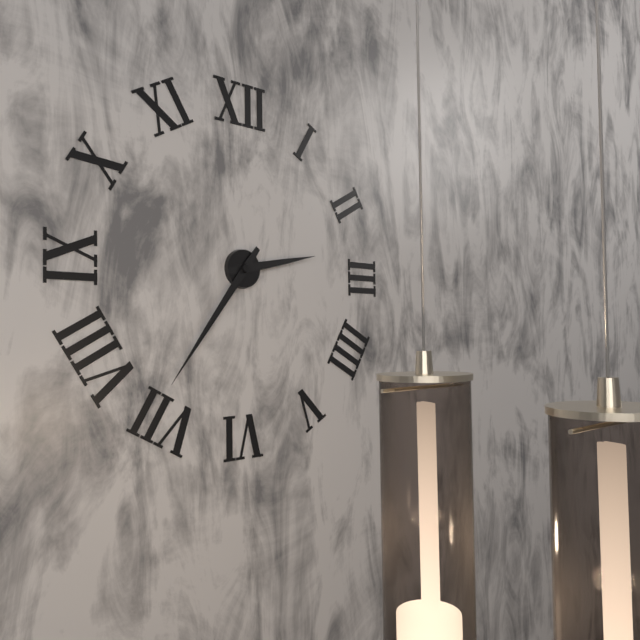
2:36
